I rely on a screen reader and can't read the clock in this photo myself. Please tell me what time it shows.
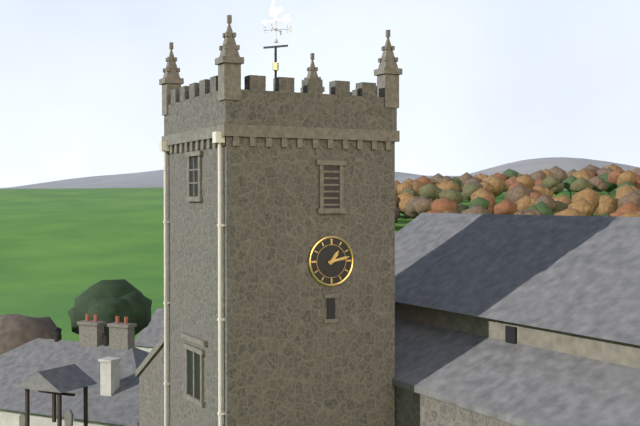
1:13
